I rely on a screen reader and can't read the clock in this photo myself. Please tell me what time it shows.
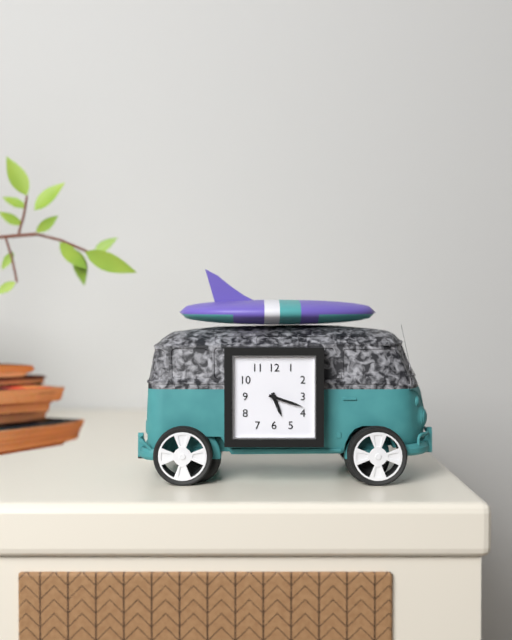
5:18
